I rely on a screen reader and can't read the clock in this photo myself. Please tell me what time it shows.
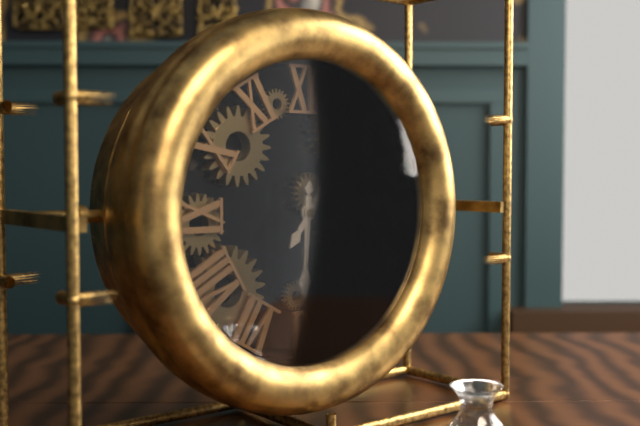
6:06
